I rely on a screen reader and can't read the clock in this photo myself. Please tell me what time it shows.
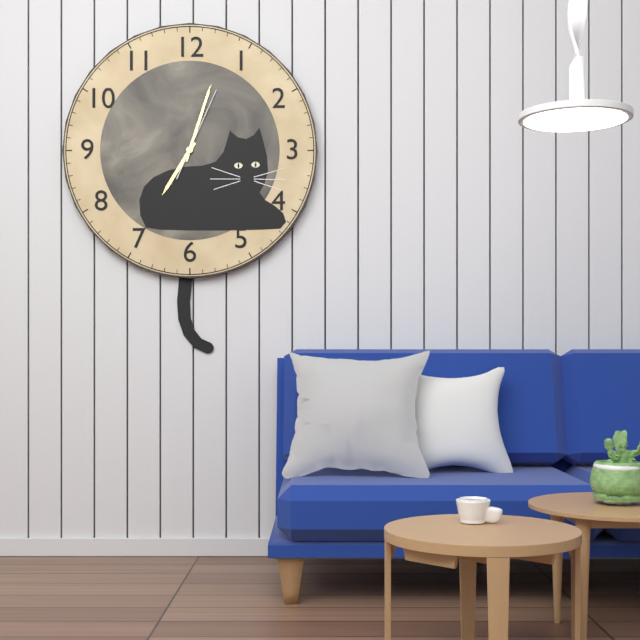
7:03:04
